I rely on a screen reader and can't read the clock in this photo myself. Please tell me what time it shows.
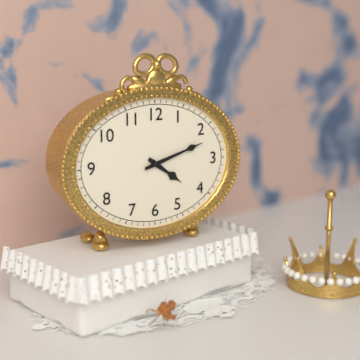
4:12
